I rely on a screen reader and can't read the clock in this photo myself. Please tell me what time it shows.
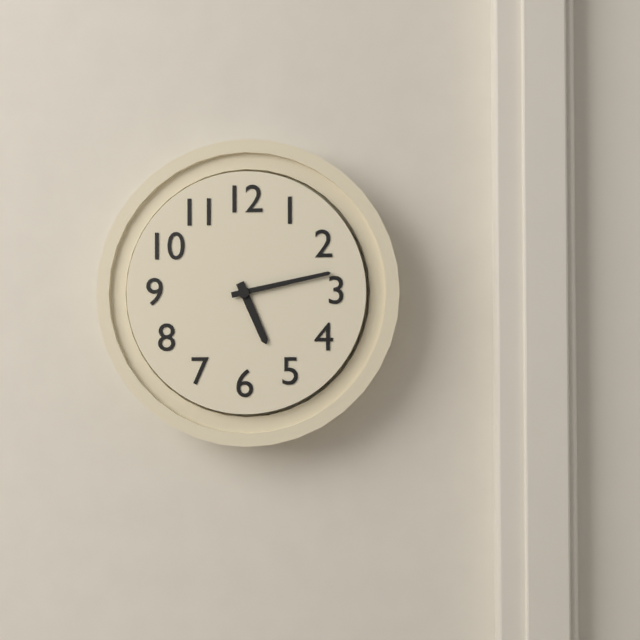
5:13
